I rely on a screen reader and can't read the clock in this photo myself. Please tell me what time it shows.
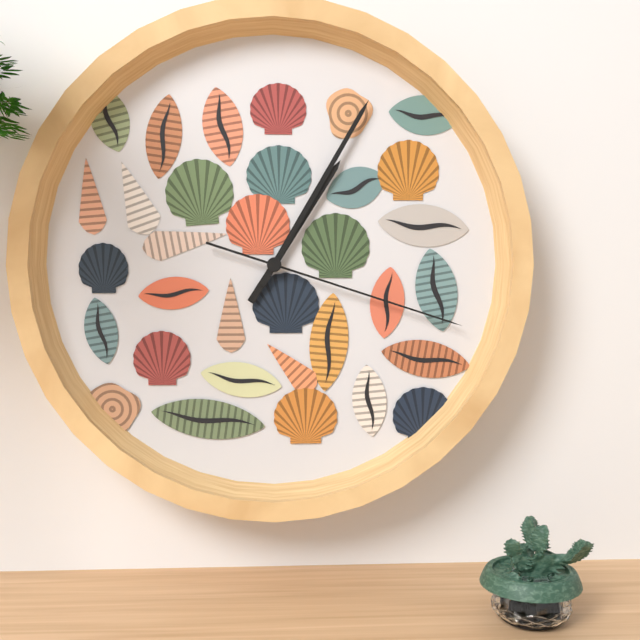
1:05:18
